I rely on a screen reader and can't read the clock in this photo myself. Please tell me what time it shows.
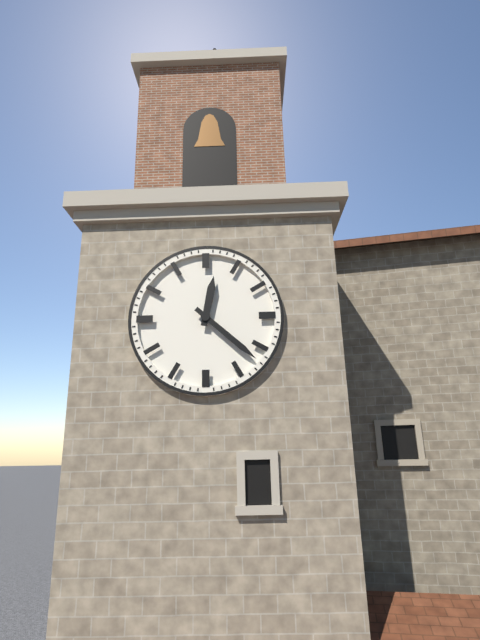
12:22
